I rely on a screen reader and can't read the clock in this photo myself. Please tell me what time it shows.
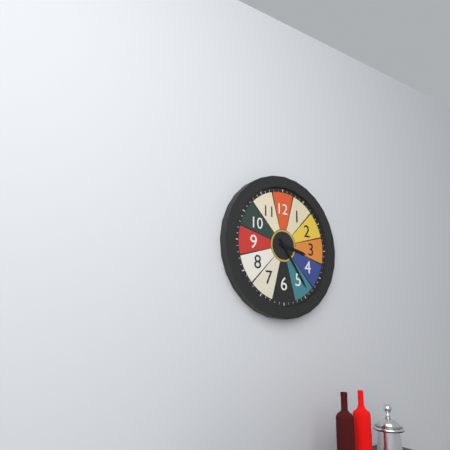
3:24
